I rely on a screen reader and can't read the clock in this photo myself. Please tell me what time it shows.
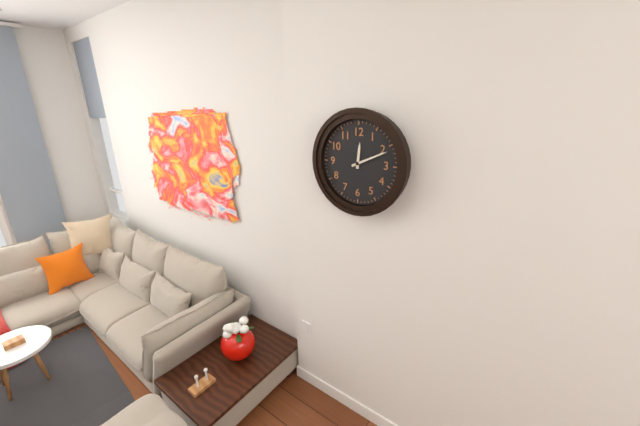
12:11
